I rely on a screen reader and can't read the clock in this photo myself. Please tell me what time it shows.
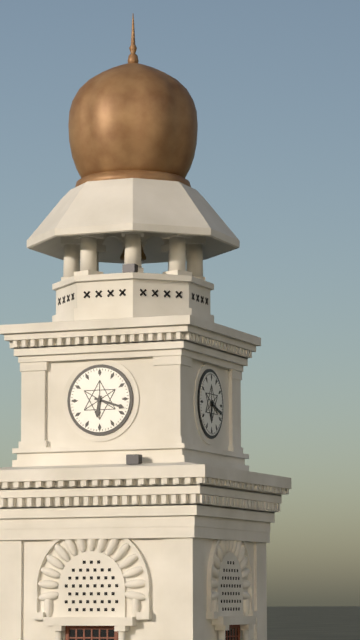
6:18
